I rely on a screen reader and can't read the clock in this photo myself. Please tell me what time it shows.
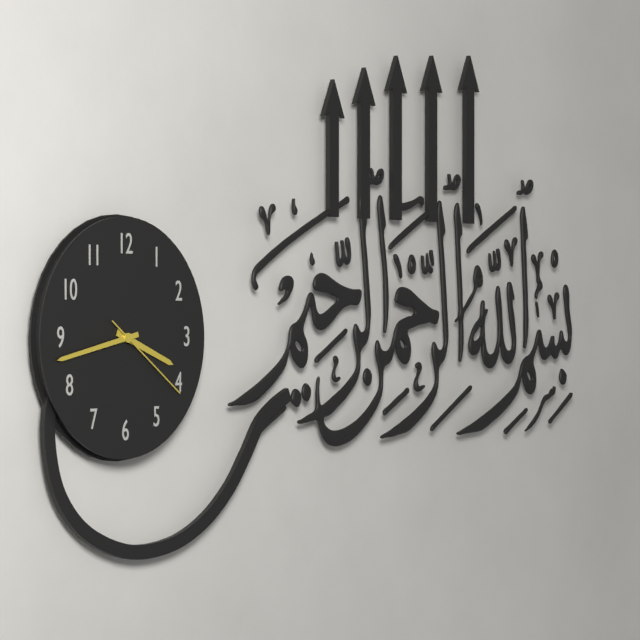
3:43:21
